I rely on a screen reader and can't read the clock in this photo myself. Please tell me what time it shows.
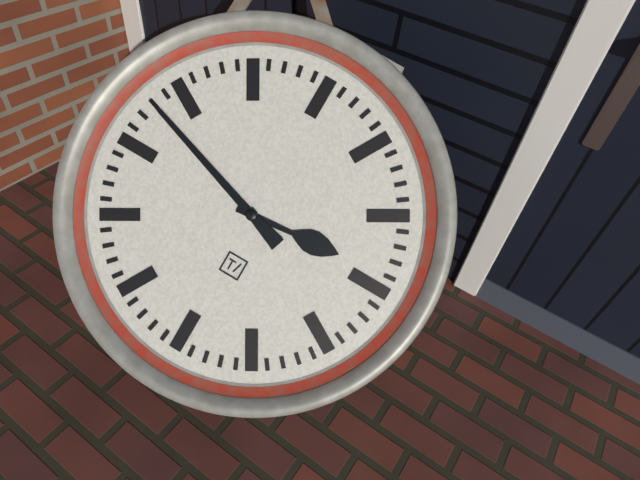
2:48
